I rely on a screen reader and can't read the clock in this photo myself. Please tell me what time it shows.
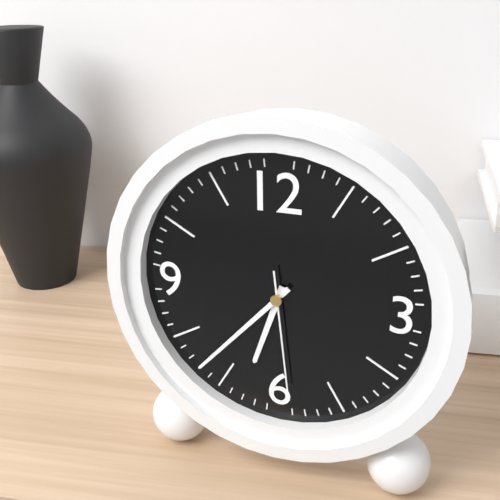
6:37:29
